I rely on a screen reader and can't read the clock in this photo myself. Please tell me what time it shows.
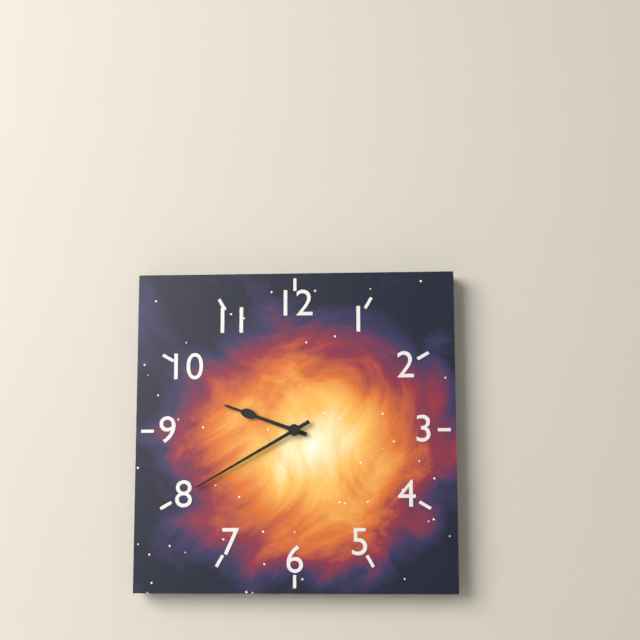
9:40
